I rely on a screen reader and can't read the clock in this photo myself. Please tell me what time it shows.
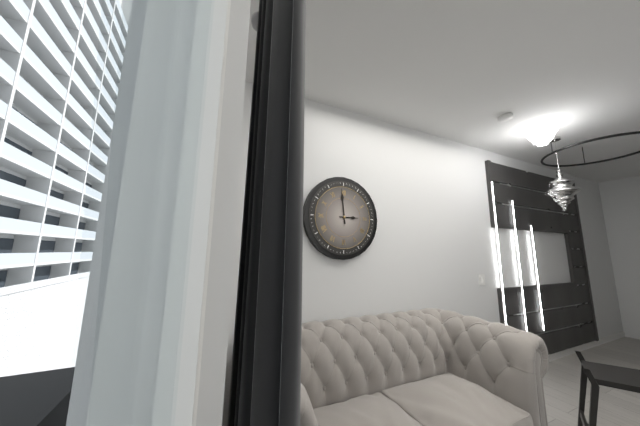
2:59
